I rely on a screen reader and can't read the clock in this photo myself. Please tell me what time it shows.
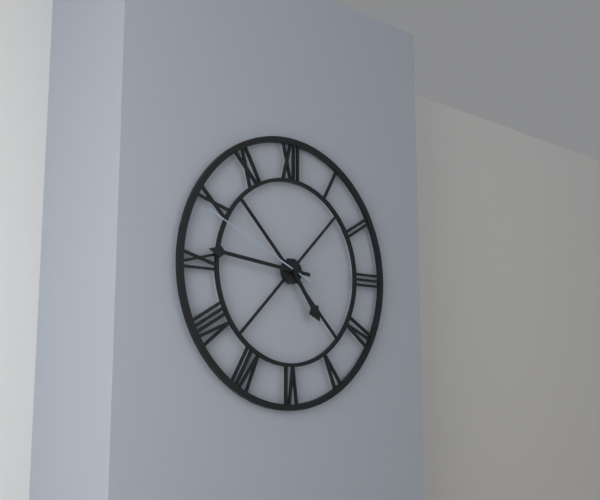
4:46:49
